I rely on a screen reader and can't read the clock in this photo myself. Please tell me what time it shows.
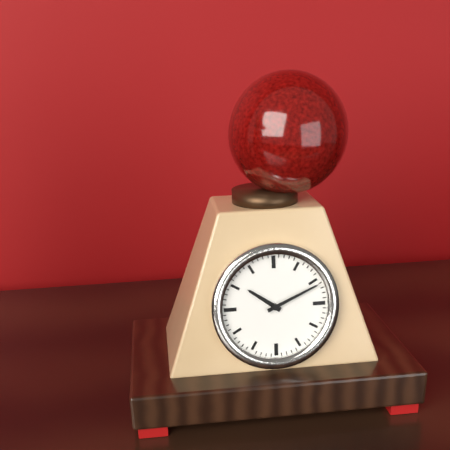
10:11
